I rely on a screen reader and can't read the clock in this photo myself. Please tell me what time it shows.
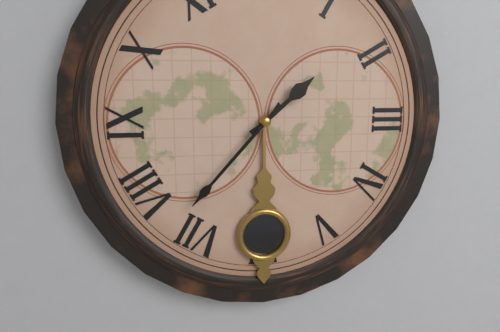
1:37
